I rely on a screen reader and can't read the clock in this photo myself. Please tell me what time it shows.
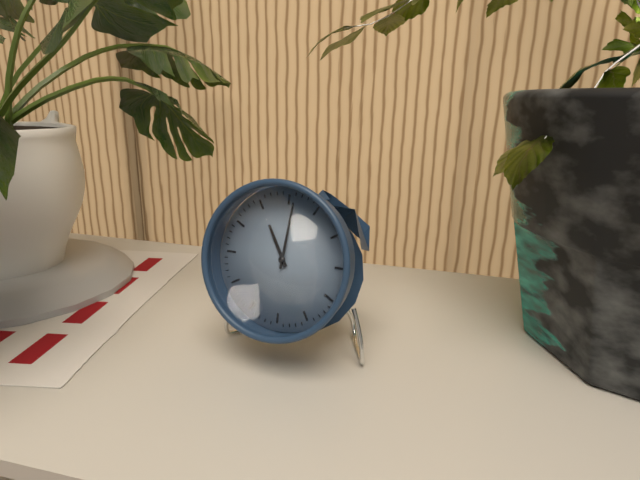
11:01
